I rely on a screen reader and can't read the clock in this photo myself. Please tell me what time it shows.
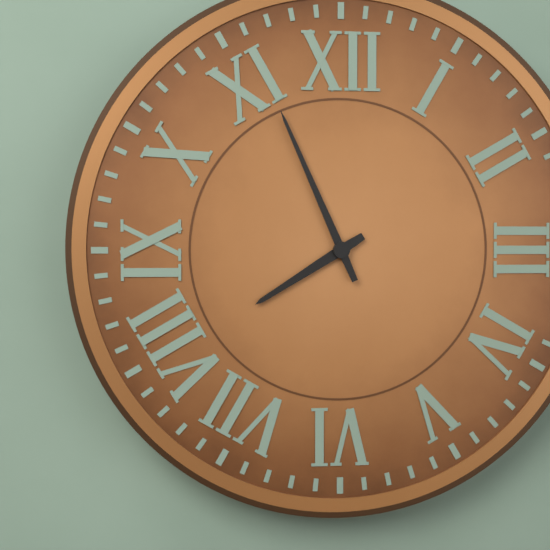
7:56
